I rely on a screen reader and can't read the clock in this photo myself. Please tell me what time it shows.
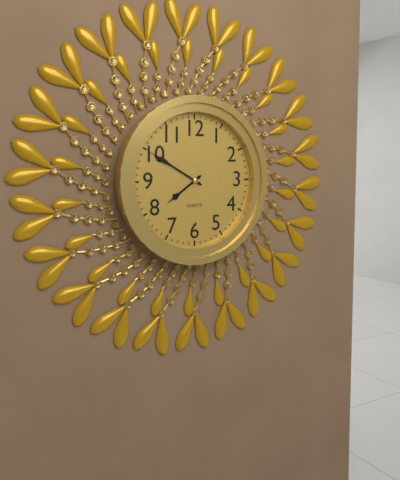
7:50
